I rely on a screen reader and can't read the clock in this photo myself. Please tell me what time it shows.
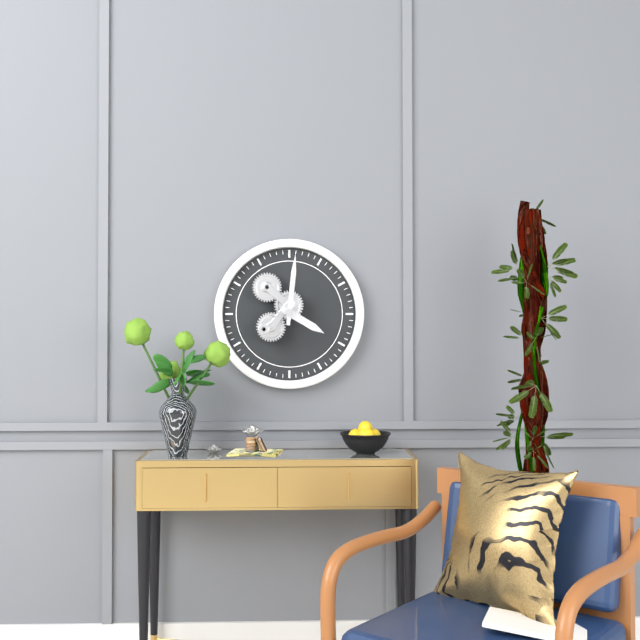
4:01
